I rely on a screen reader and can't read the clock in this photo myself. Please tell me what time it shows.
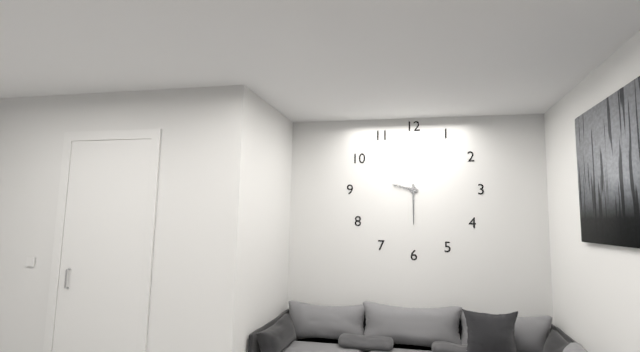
9:30
